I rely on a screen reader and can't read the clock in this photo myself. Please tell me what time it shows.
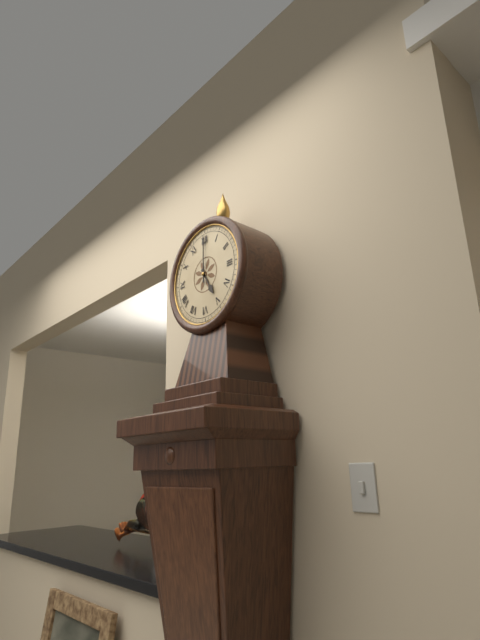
5:00
